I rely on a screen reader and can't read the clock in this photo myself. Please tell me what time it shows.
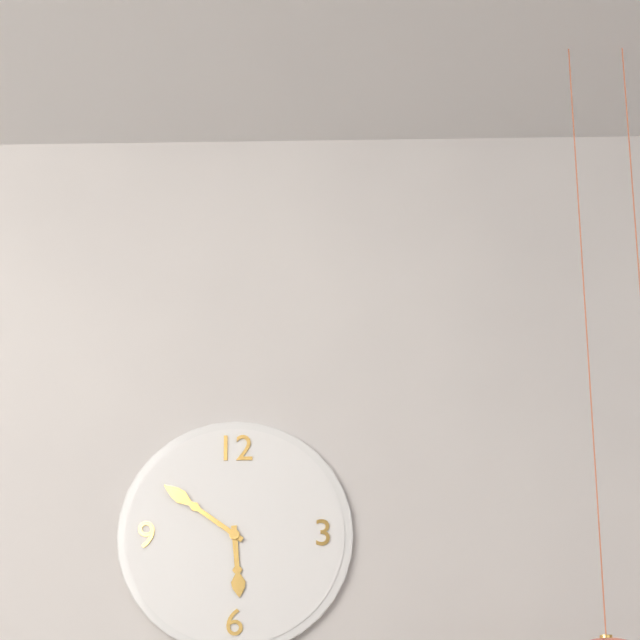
5:51
